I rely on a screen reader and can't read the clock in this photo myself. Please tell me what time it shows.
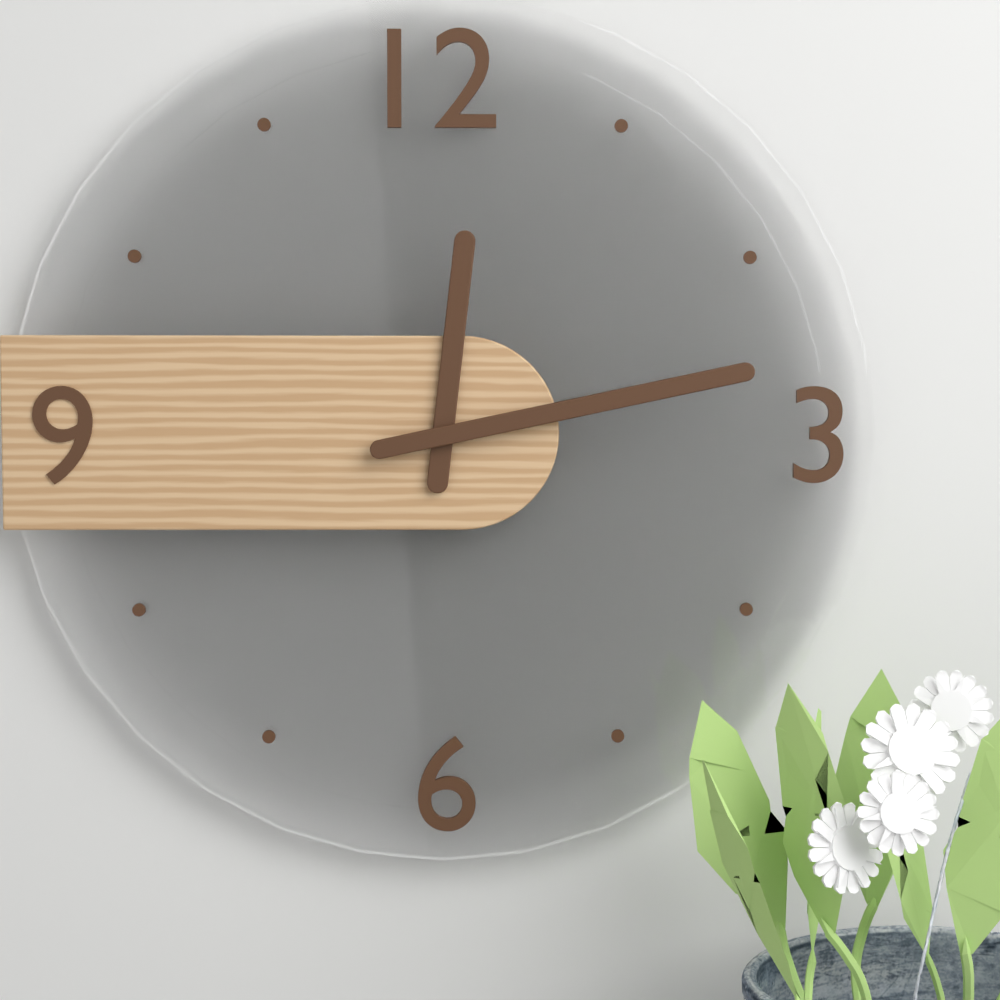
12:13
